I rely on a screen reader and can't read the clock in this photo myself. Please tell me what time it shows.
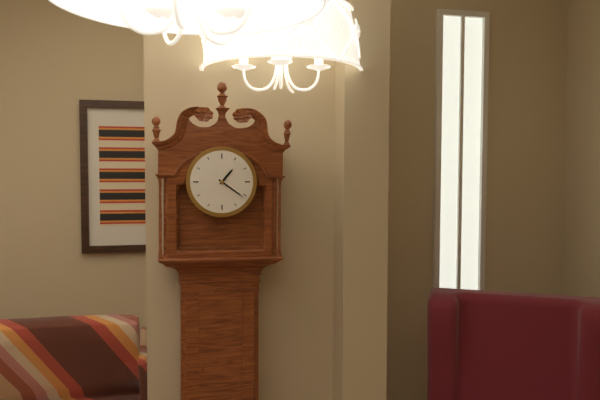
1:21
